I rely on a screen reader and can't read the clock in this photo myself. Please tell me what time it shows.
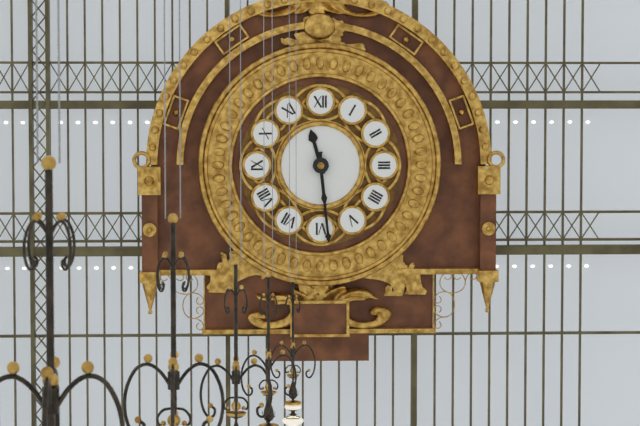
11:29
